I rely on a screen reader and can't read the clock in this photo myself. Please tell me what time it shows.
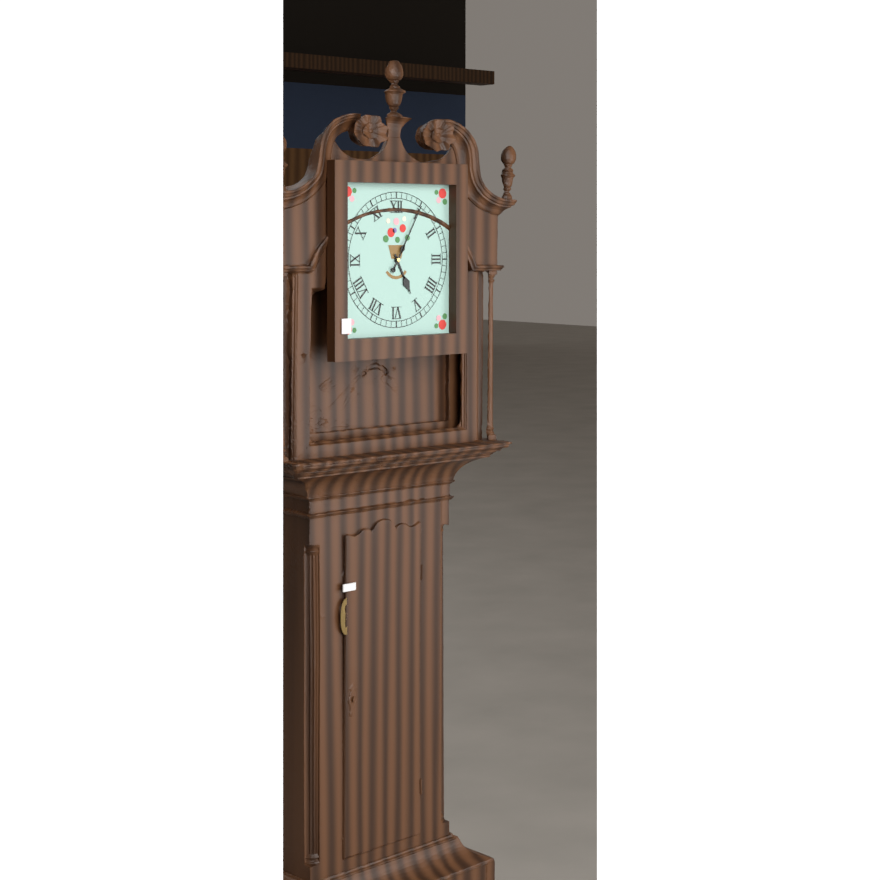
5:05
